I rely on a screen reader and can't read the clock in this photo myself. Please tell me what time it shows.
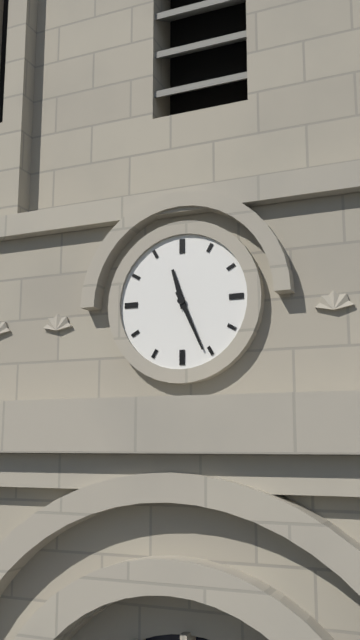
11:26
